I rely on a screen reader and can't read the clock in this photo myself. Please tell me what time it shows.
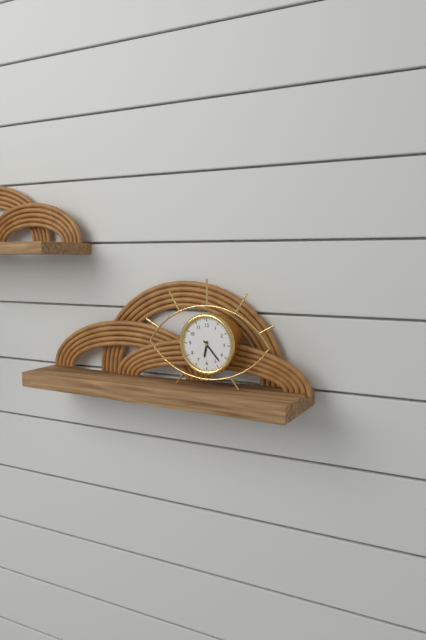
6:23
